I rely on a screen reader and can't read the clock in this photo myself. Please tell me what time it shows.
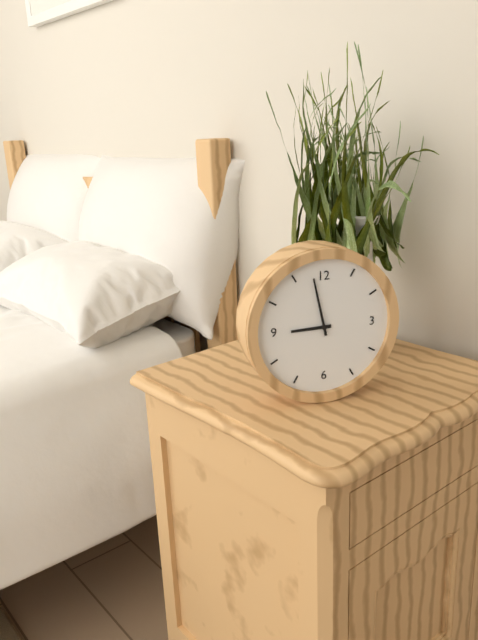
8:58
